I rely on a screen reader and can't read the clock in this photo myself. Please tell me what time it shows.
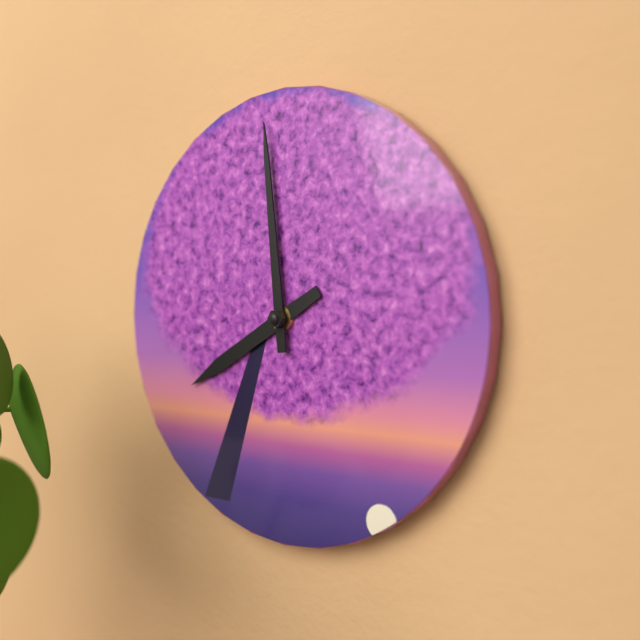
7:59
